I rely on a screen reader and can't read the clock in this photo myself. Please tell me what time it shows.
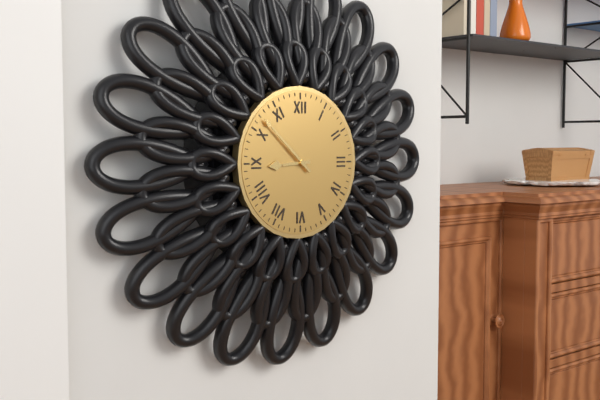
8:52
